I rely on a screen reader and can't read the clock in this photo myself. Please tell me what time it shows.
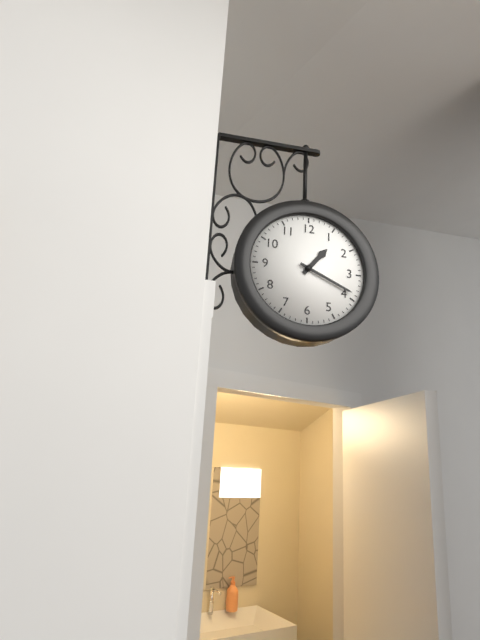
1:19
